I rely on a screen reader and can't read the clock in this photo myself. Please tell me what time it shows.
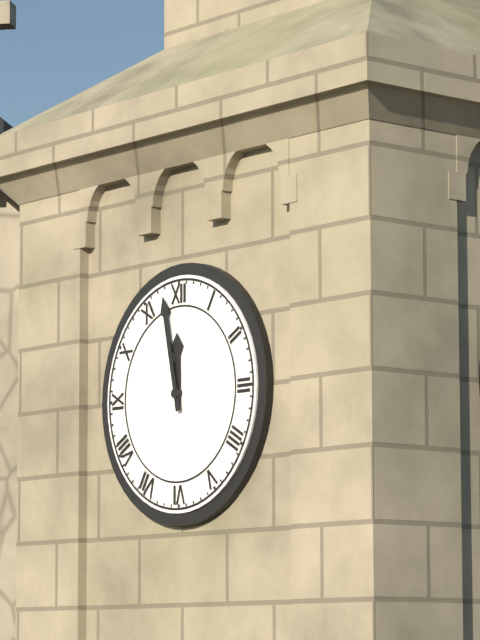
11:58
